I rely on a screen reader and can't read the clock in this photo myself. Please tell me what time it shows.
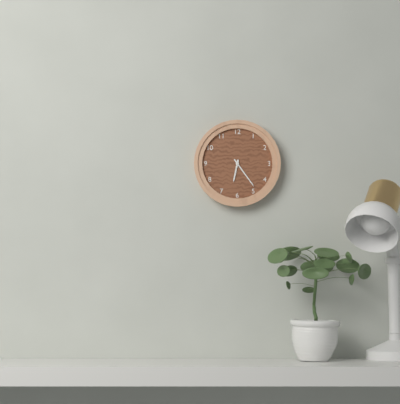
6:24
